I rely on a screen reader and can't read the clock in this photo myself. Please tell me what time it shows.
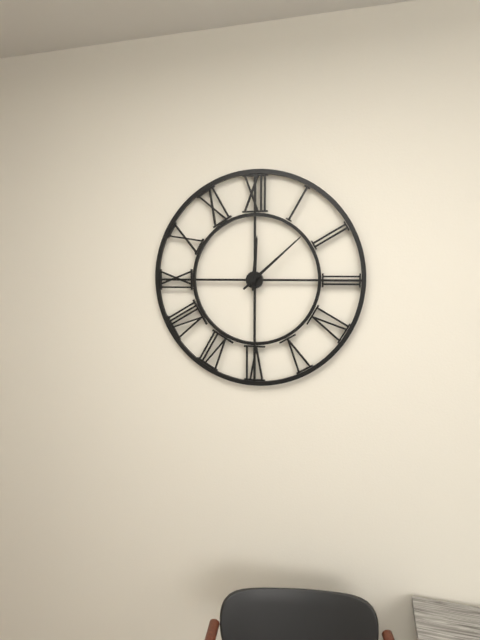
12:08
